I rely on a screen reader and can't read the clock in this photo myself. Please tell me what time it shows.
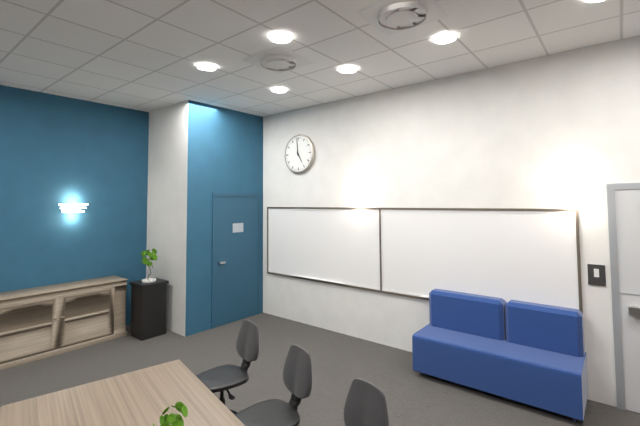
4:59
